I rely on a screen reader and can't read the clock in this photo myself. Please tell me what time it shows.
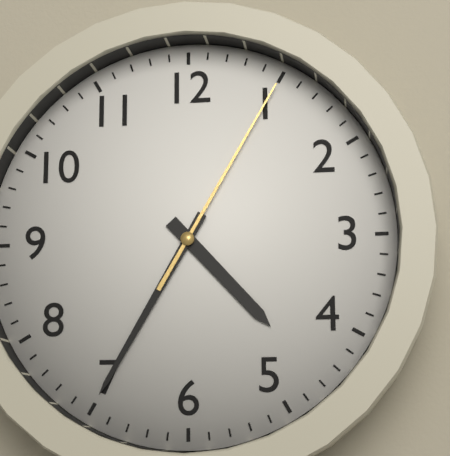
4:35:05
